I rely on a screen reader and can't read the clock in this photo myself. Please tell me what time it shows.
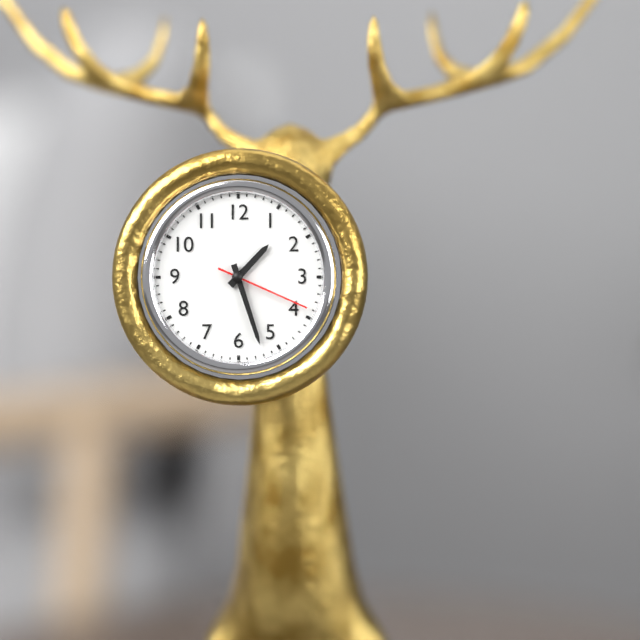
1:27:19
